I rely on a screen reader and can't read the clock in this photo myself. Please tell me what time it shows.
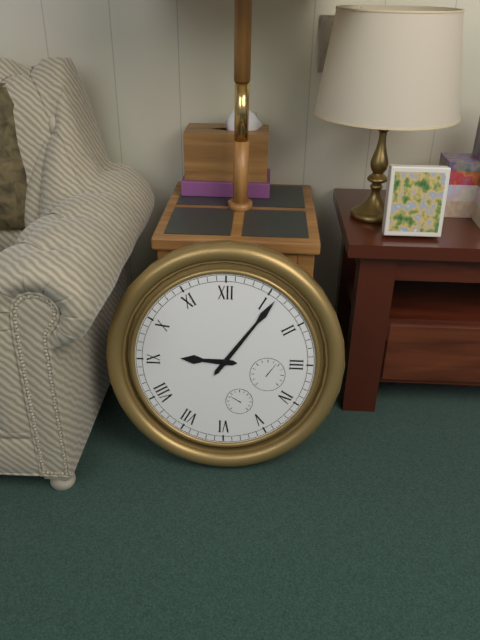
9:06
